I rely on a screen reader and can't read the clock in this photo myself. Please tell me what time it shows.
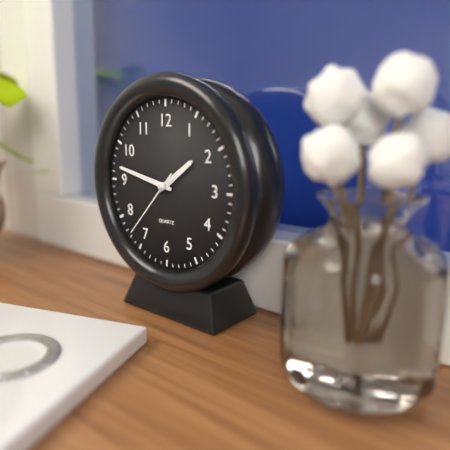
1:47:37
